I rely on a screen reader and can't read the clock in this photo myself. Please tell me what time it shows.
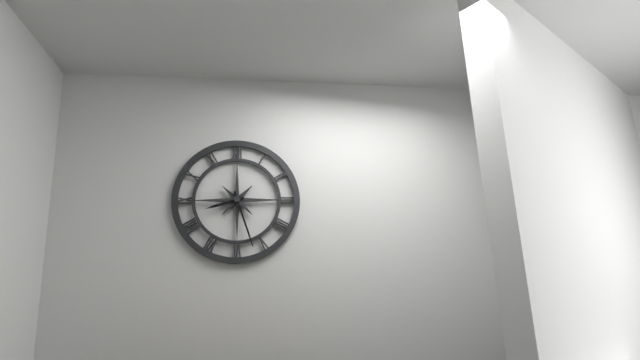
8:27
